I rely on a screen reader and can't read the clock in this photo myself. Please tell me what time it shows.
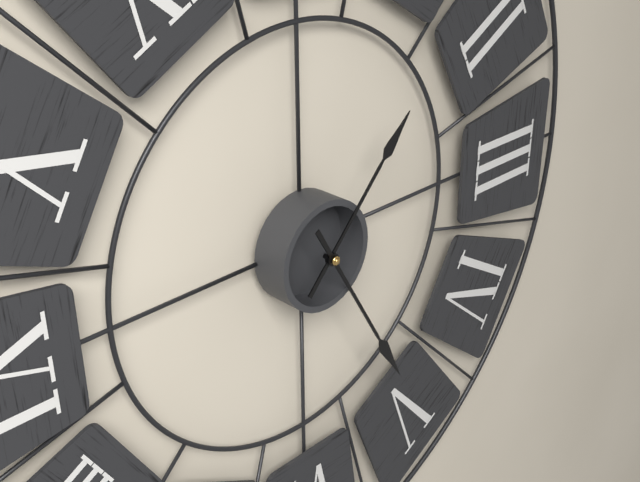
1:25
